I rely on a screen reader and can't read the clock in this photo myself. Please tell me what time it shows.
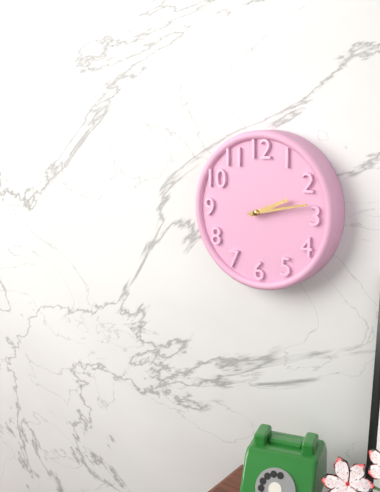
2:13
